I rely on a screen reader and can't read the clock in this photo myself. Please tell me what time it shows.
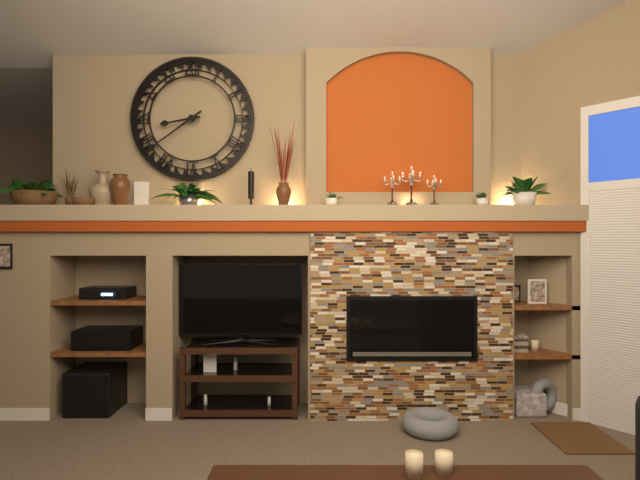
8:39
